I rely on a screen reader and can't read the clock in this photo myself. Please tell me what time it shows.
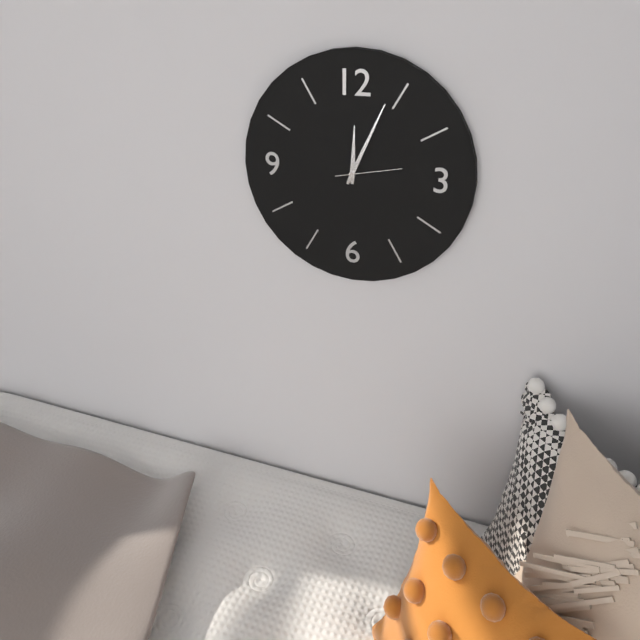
12:04:13
